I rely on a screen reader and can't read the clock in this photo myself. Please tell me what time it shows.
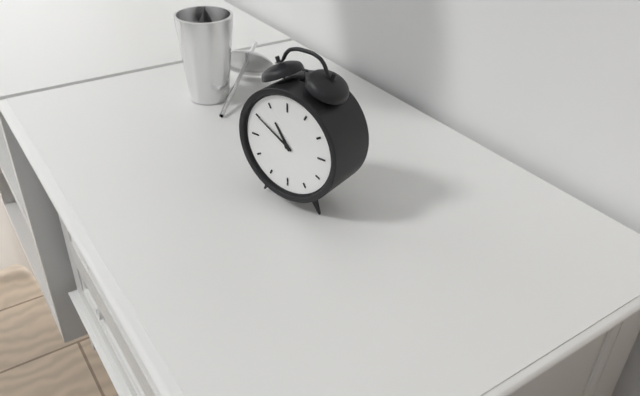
10:50
